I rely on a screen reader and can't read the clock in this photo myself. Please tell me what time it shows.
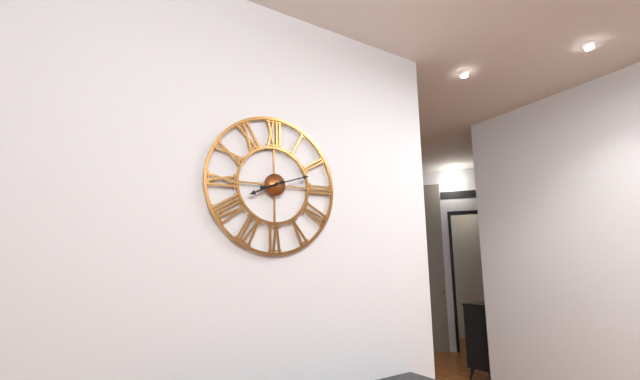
8:12
